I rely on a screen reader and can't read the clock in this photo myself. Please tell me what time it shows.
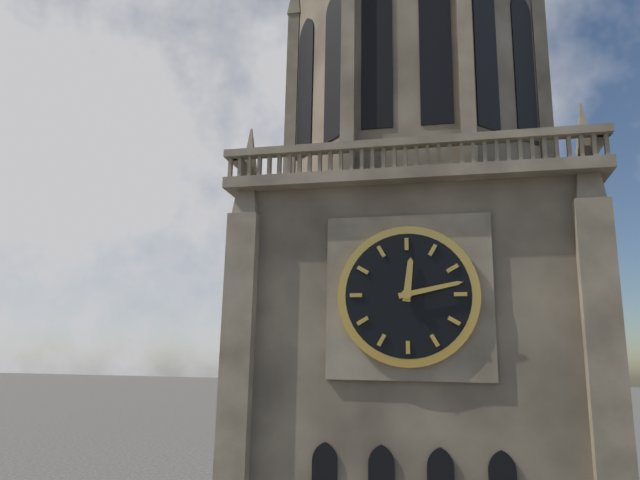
12:13
